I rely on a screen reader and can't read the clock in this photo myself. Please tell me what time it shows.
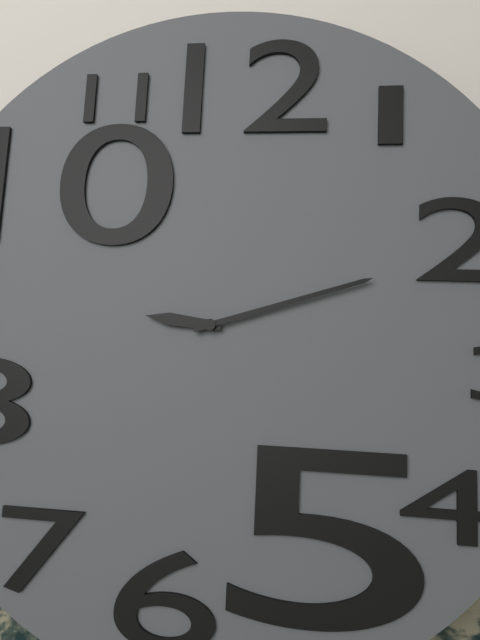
9:12
